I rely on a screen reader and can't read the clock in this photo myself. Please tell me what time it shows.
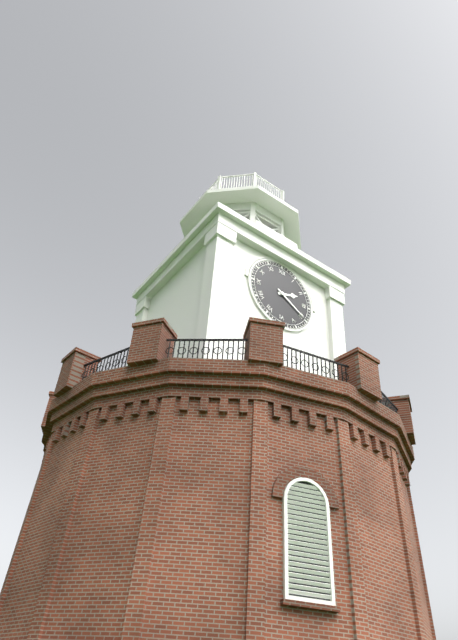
2:20
